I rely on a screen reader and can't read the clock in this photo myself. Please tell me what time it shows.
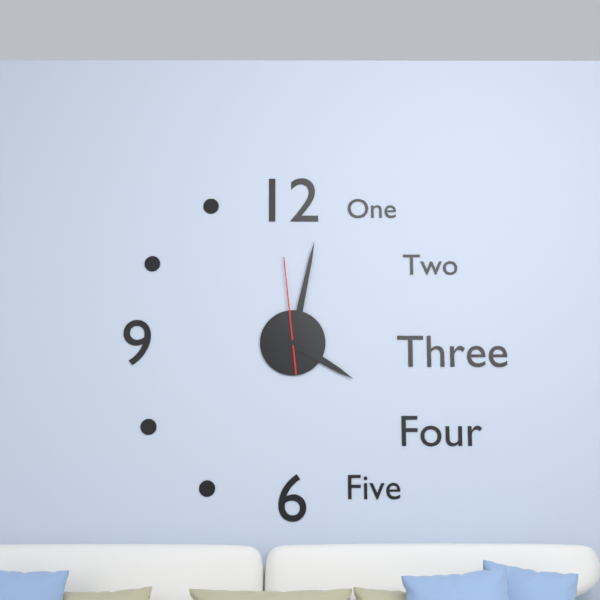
4:02:59
